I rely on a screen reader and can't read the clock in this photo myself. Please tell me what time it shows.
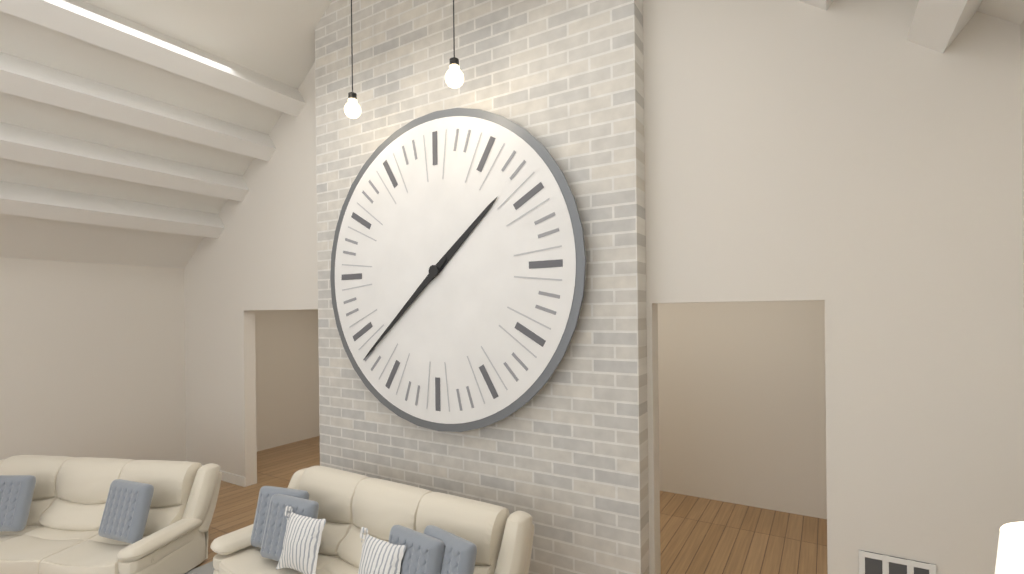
1:38
